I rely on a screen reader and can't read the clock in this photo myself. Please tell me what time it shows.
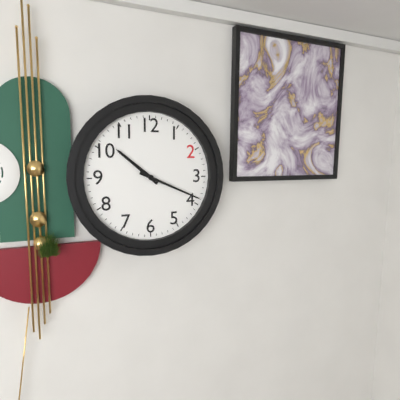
10:19
